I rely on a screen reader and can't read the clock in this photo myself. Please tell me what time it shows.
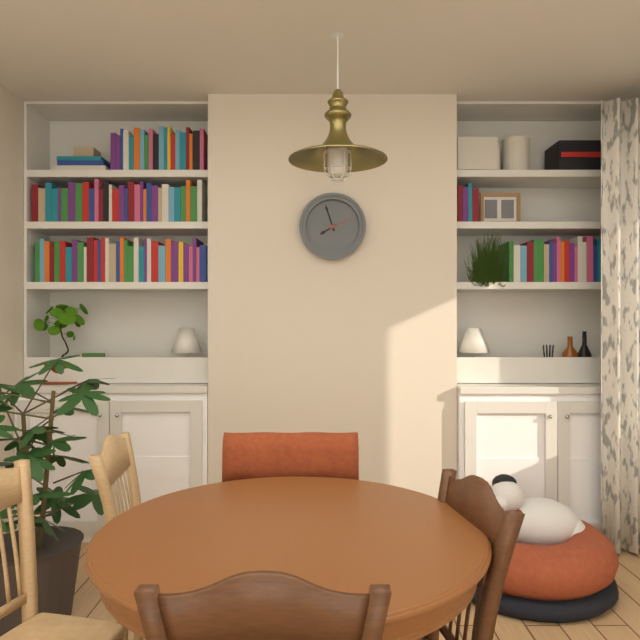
7:57
